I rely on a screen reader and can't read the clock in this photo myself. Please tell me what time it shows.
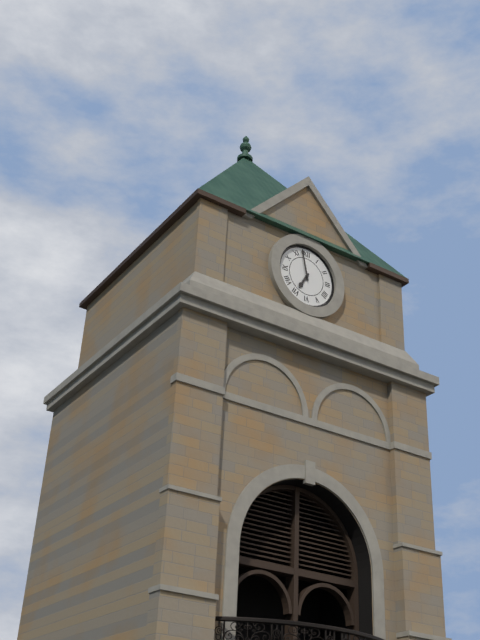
6:58
